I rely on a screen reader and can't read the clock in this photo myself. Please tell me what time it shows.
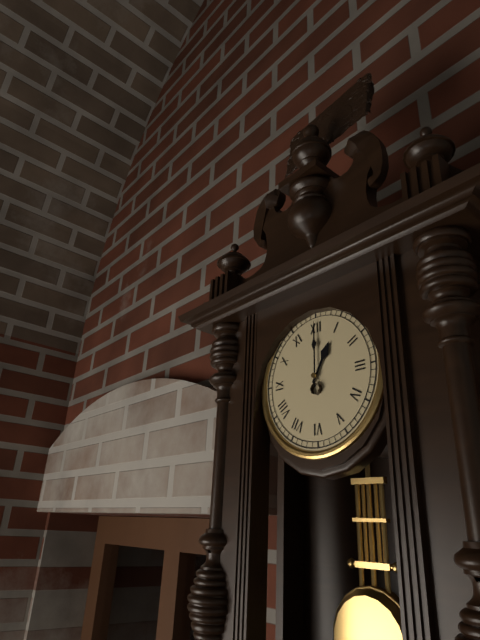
1:00
